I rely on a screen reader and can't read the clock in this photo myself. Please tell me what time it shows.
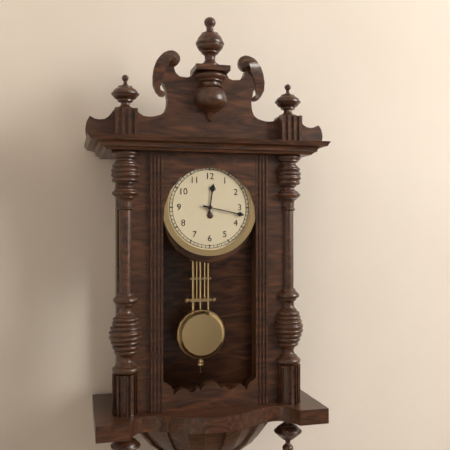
12:17
